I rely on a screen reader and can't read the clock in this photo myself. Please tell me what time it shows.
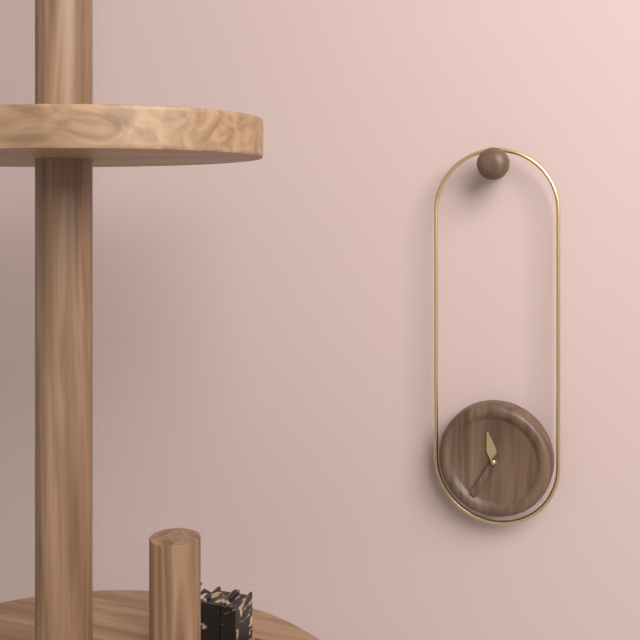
11:35
